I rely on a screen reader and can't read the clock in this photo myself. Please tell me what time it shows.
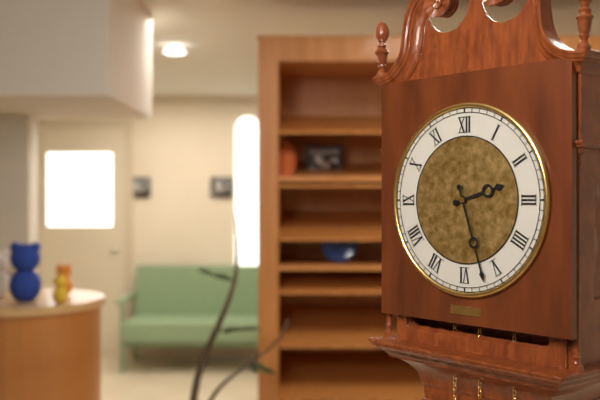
2:27
